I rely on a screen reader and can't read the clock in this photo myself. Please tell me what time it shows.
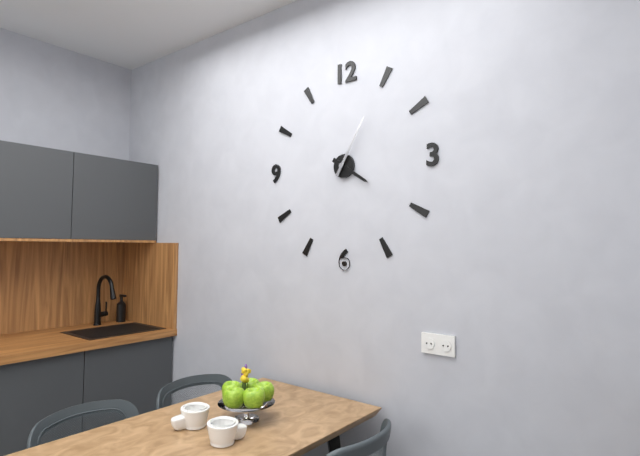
4:05
